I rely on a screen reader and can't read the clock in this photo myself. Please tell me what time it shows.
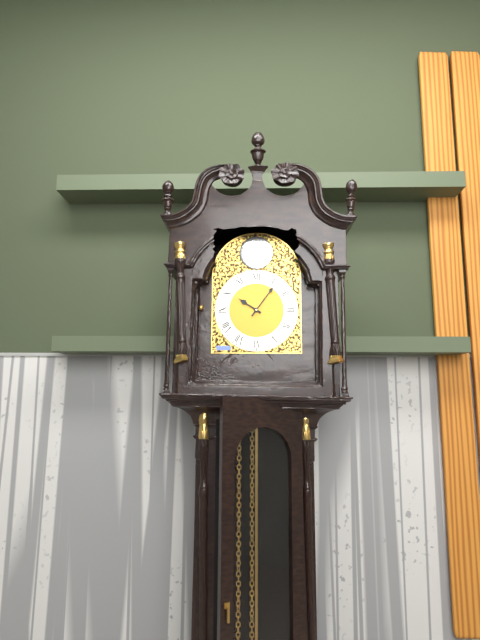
10:06
